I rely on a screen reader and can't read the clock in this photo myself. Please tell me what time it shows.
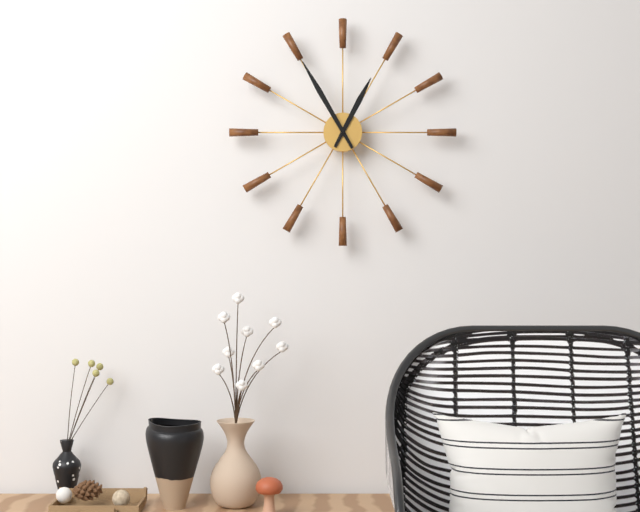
12:55
